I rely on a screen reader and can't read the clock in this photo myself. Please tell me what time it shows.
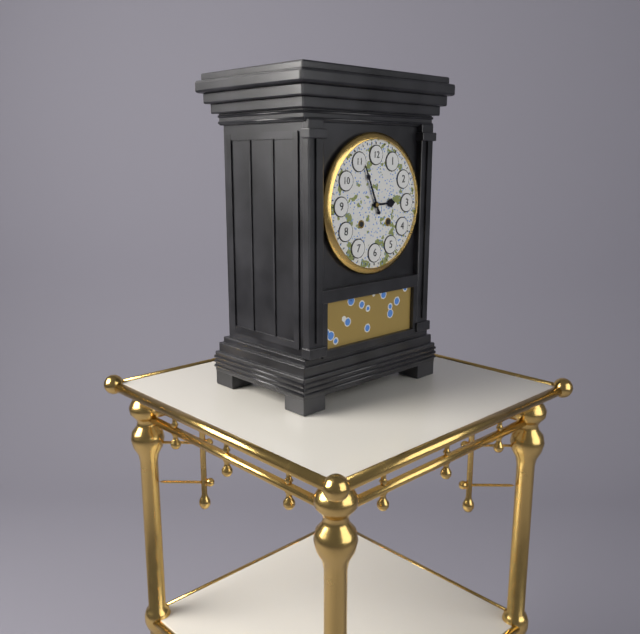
2:56
